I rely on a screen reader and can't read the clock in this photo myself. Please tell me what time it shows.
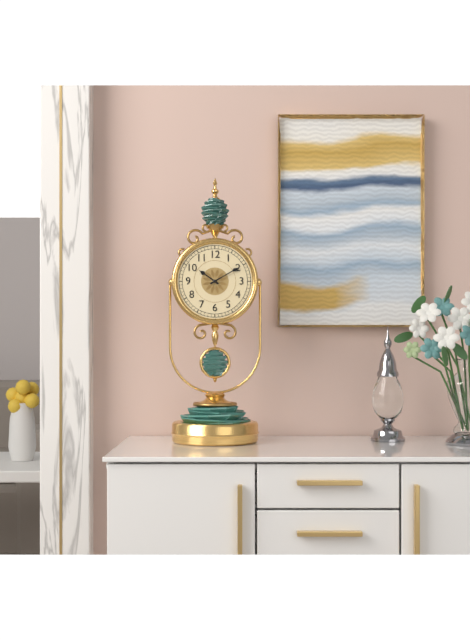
10:10
